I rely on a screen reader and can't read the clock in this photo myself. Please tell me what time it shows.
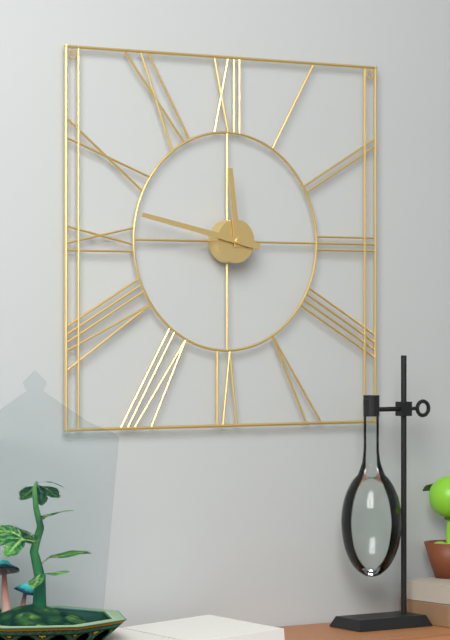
11:47
